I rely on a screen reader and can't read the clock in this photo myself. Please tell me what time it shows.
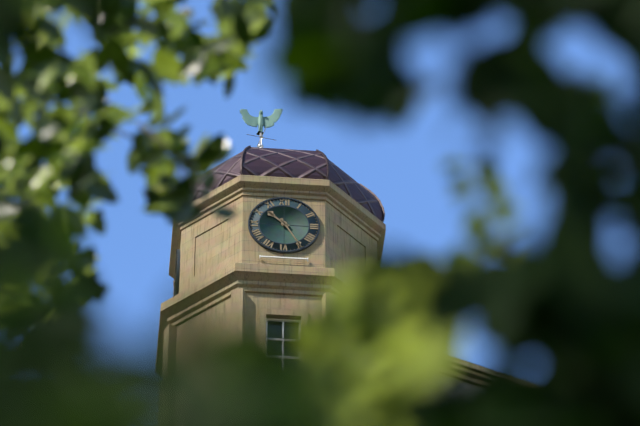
10:25
